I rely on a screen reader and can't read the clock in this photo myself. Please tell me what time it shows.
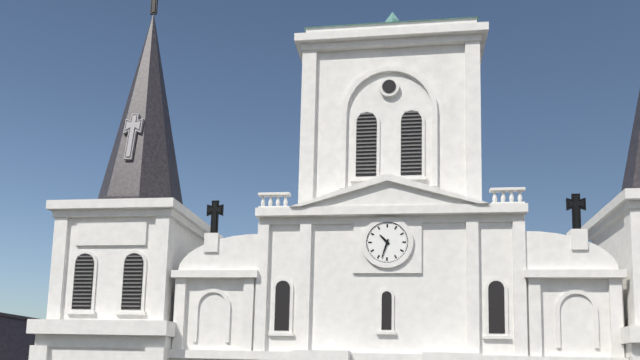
10:33
